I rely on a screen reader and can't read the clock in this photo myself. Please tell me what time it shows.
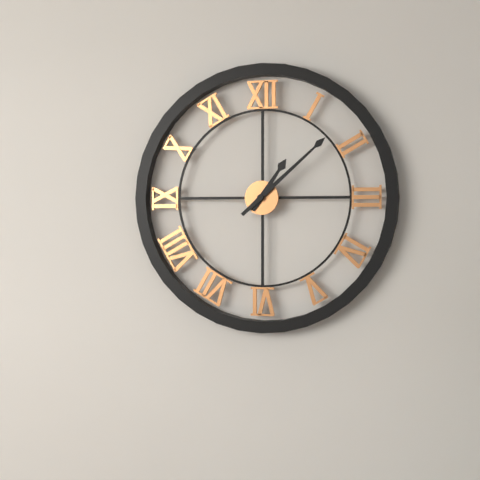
1:08
